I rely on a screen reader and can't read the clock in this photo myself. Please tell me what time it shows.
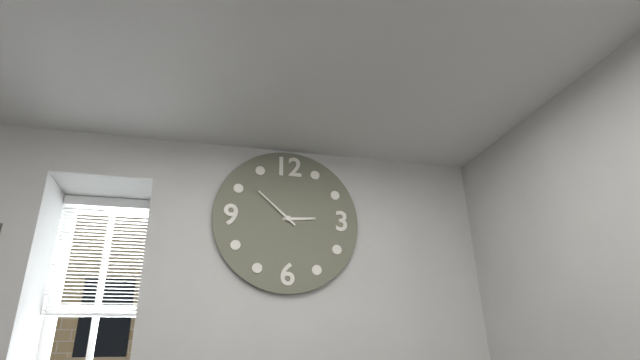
2:52
